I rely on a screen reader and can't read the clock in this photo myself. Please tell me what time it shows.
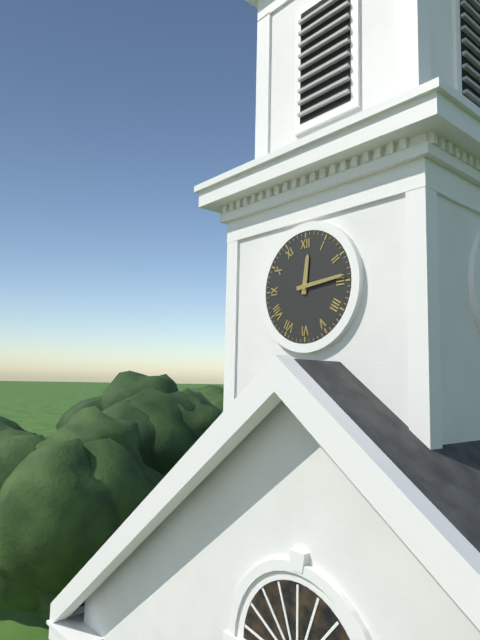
12:14
